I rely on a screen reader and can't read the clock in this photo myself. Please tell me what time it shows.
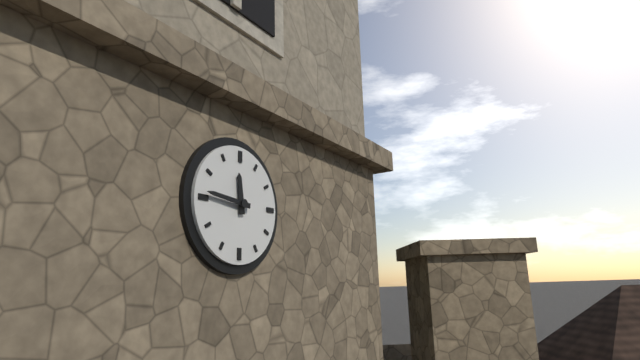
11:46
